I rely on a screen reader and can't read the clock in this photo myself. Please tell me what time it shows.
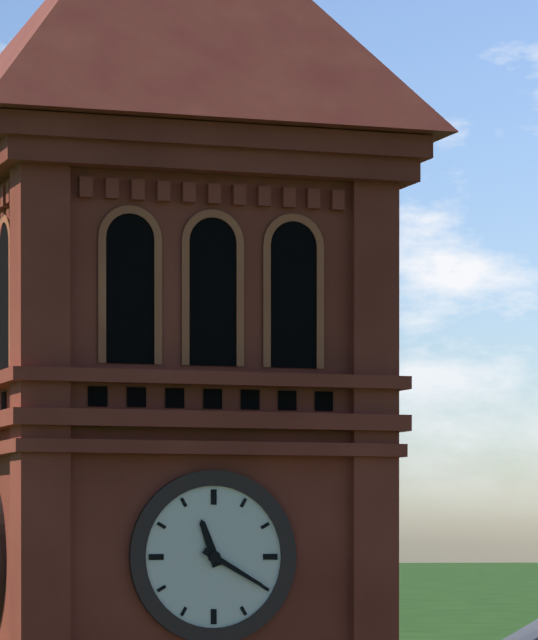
11:20
